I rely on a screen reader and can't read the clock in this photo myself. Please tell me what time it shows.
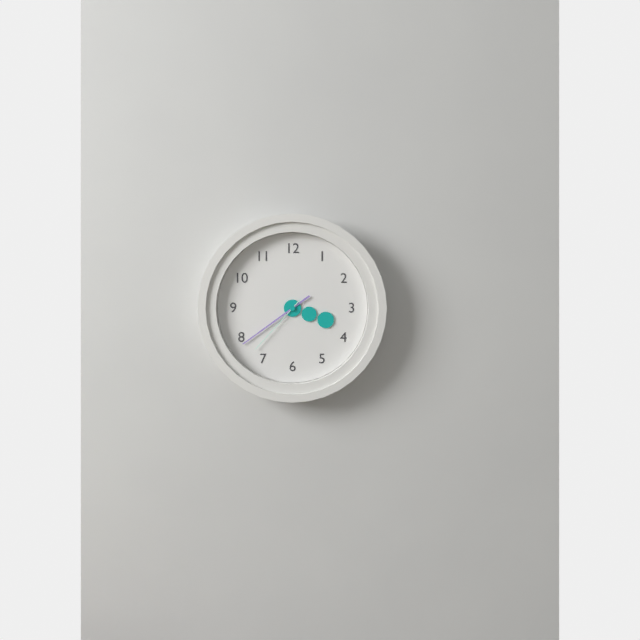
3:39:37
